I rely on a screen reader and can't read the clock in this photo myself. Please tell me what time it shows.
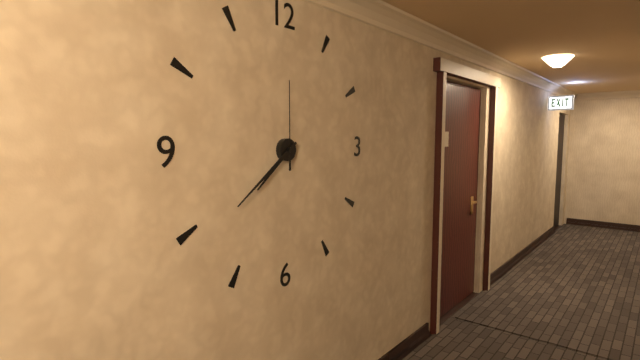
7:39:00
